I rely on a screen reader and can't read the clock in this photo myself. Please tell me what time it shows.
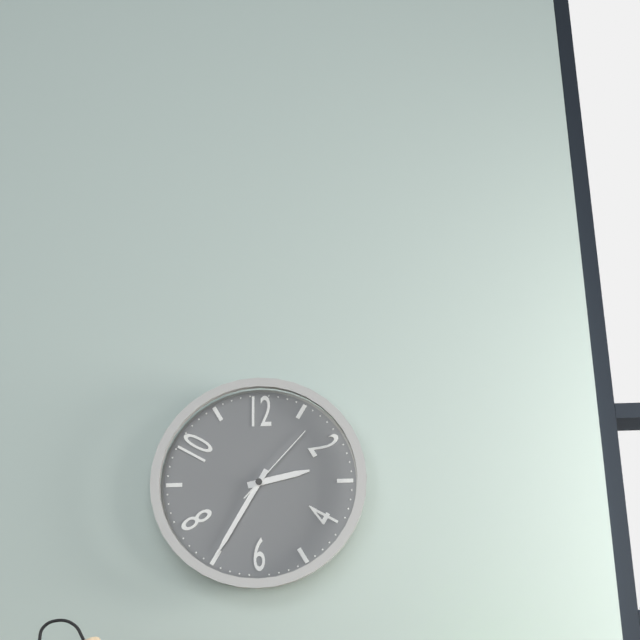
2:35:07
